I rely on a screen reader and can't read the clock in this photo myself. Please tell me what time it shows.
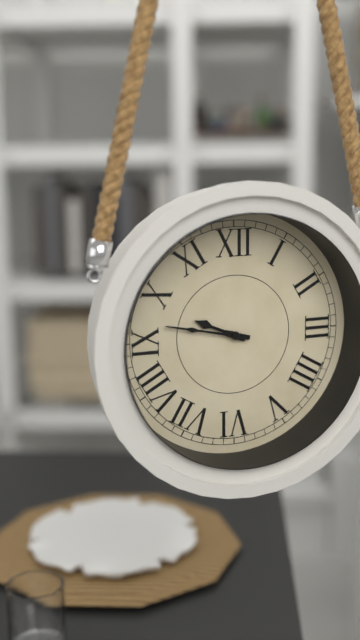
9:47
